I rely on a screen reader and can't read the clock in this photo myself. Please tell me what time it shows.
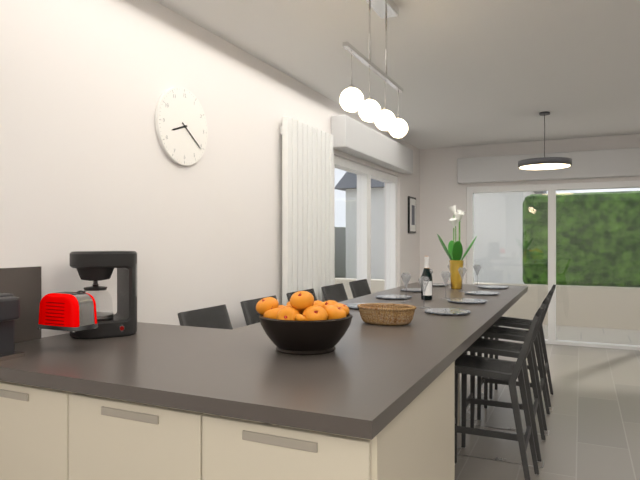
8:21
